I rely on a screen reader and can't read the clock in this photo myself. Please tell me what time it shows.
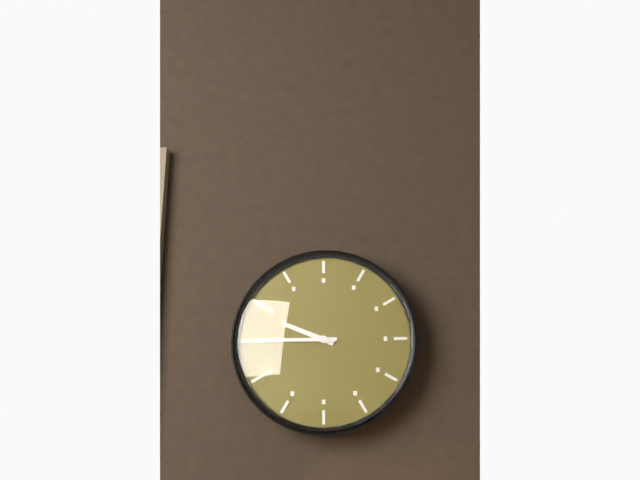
9:45
